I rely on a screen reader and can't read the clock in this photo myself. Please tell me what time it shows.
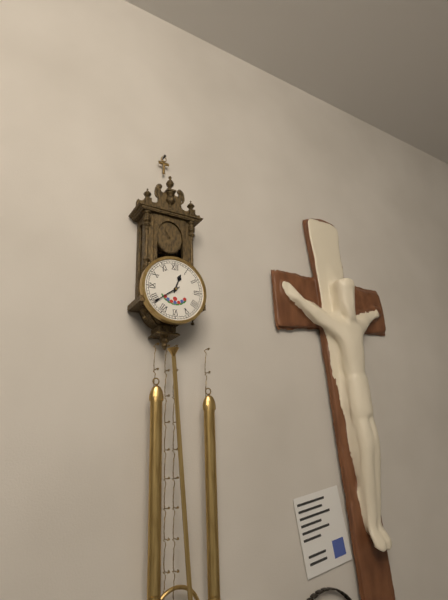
12:39
